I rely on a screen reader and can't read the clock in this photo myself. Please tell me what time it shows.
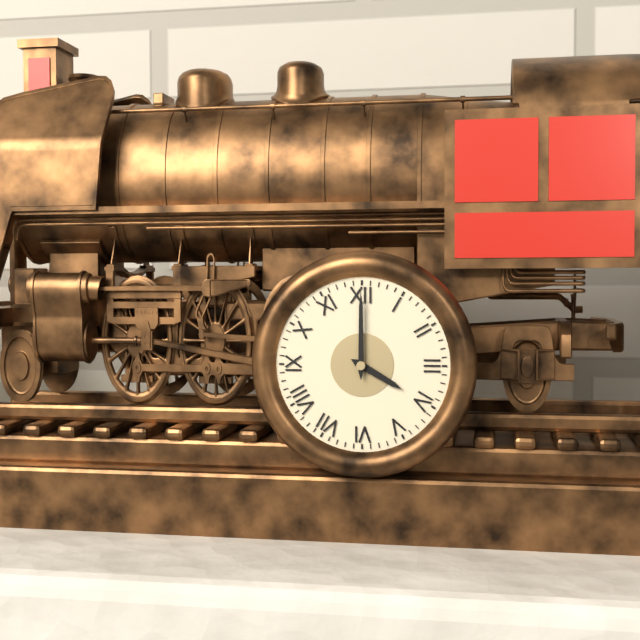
4:00
